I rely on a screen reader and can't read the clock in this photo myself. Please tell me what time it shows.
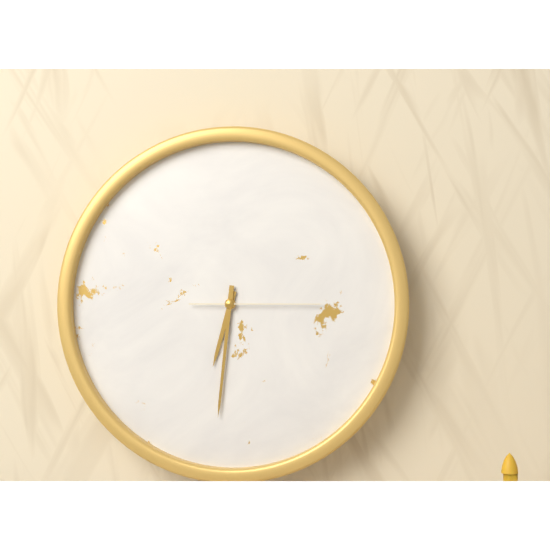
6:31:15
